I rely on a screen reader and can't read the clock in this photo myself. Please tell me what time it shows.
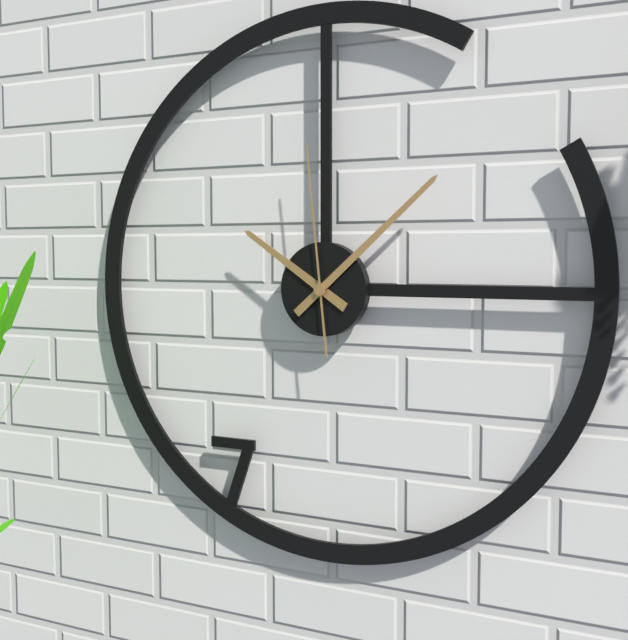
10:08:59
